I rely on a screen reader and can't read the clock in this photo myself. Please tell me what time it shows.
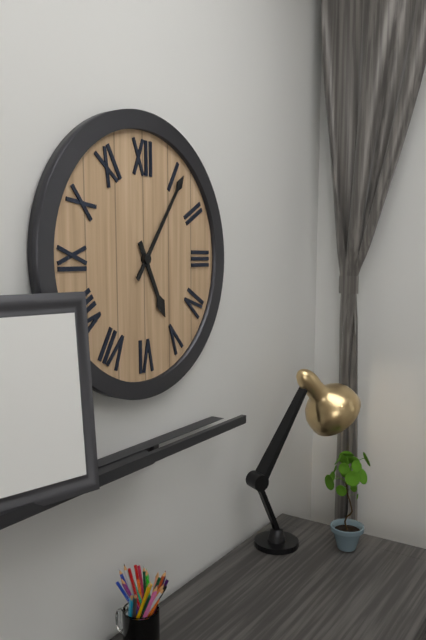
5:06
